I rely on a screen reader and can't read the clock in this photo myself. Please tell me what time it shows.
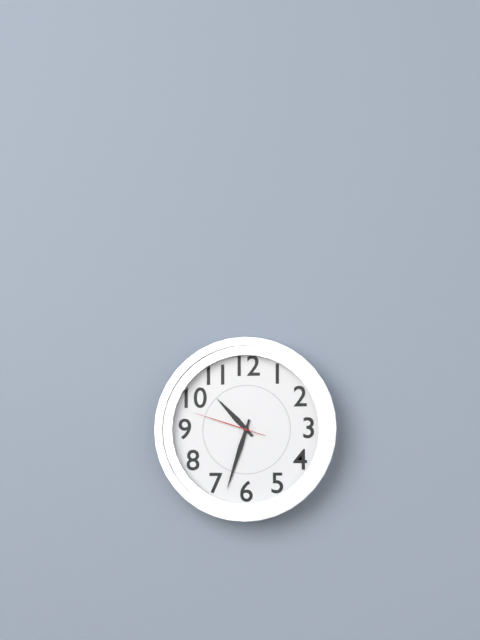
10:33:48
